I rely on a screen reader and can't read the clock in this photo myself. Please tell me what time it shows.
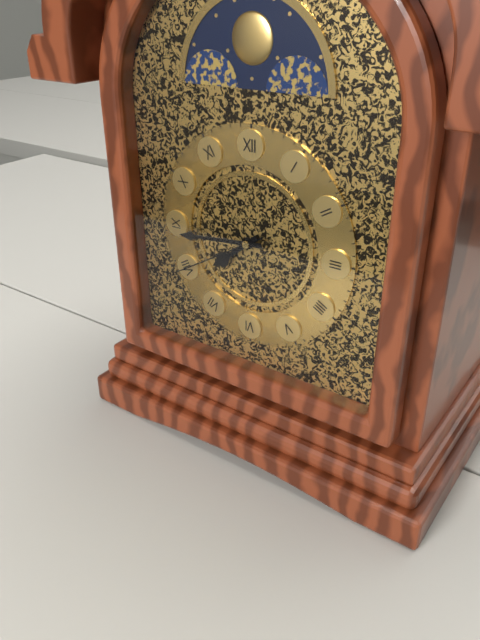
7:44:40
